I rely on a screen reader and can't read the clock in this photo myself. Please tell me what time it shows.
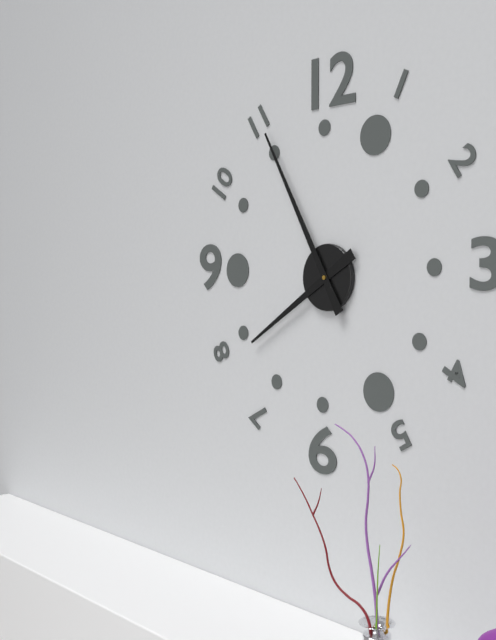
7:55
